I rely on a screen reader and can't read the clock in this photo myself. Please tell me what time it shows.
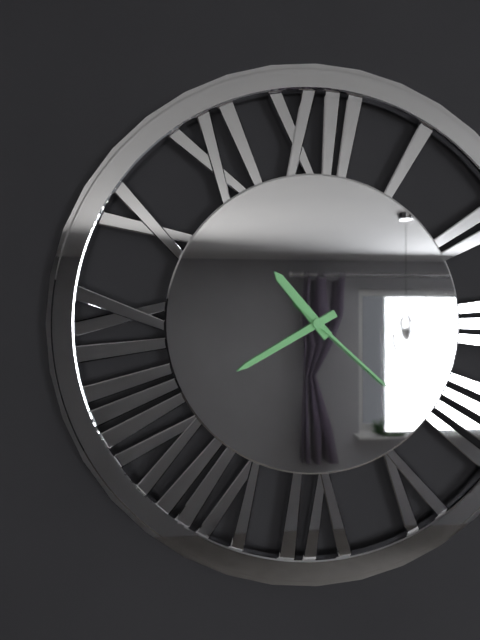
10:40:22
